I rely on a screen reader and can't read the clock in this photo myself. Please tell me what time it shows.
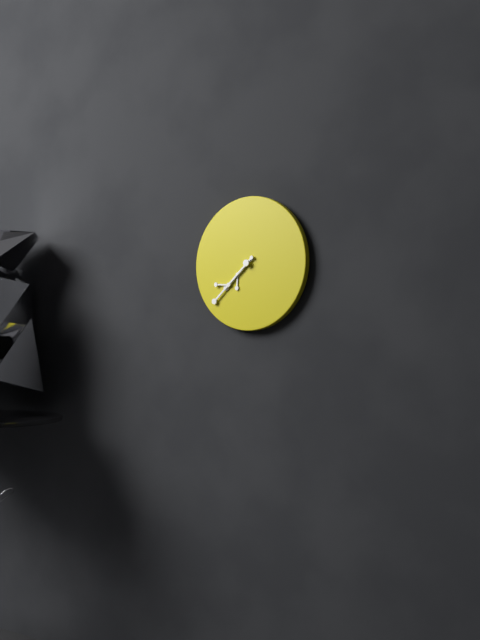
7:38
